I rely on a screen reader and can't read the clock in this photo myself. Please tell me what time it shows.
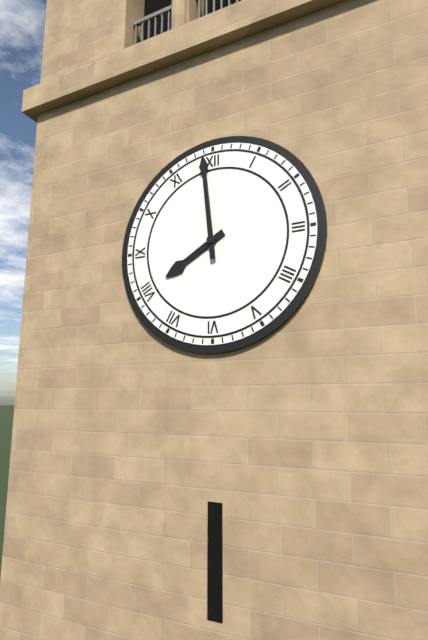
7:59
